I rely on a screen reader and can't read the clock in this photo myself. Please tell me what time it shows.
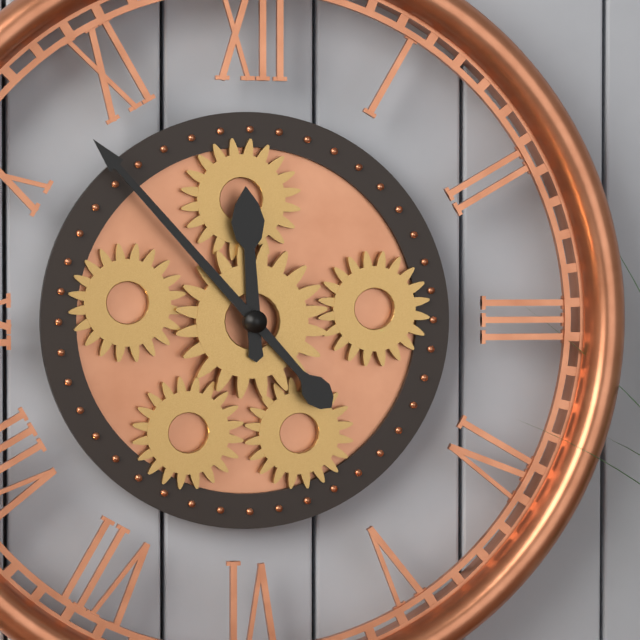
11:53
